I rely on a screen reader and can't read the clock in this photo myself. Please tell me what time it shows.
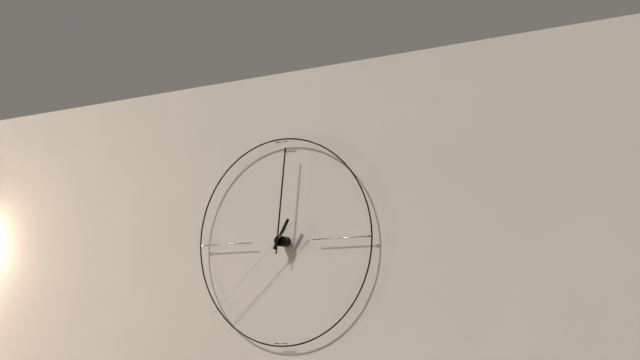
1:01:38
